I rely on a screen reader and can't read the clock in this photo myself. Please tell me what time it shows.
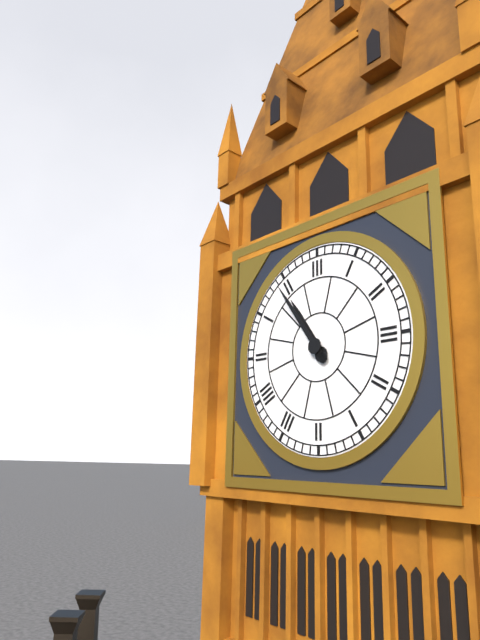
10:54
